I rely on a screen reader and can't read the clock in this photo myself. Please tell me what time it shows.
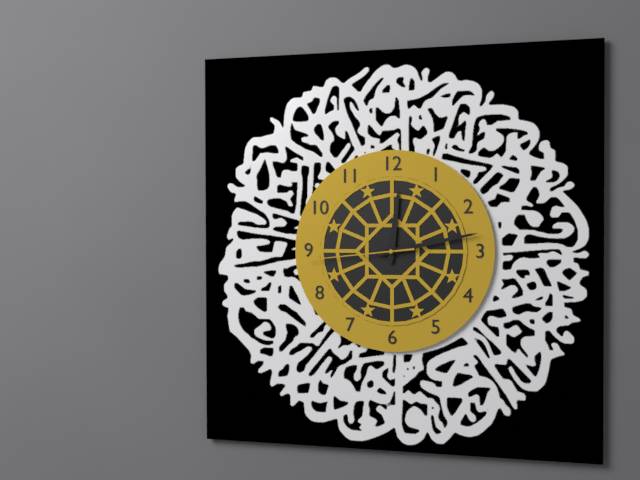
12:13:44
